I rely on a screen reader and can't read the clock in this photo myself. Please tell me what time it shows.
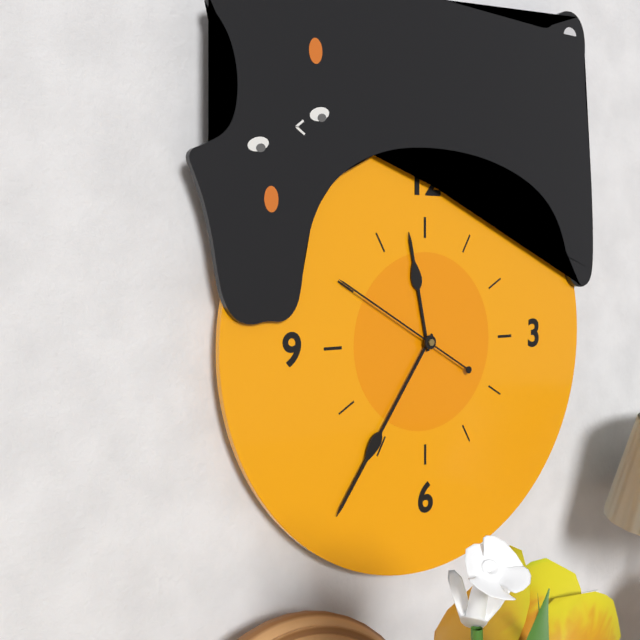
11:36:50
